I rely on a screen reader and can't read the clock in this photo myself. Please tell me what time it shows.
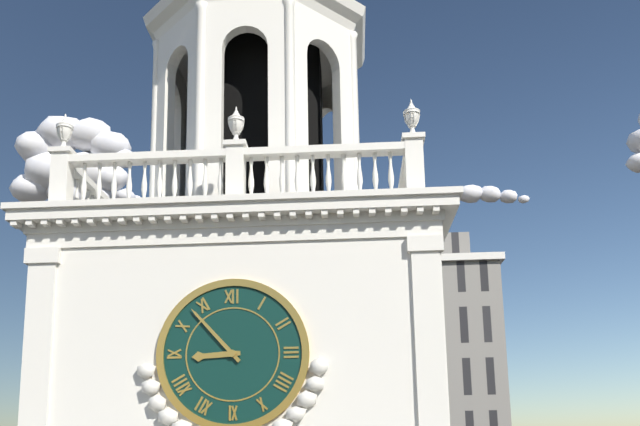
8:53
